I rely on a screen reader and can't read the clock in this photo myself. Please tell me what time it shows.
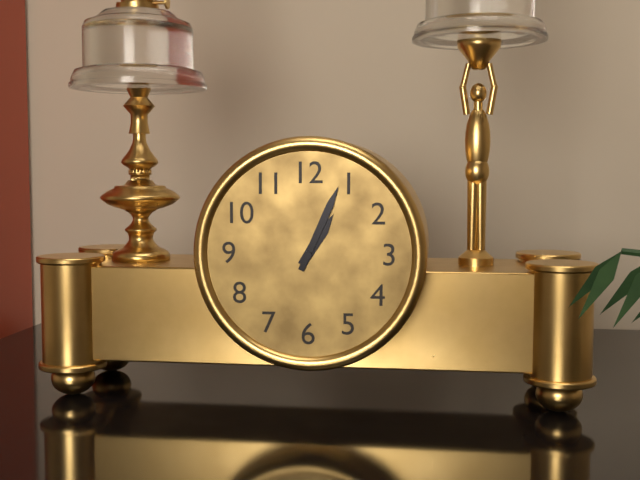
1:04
